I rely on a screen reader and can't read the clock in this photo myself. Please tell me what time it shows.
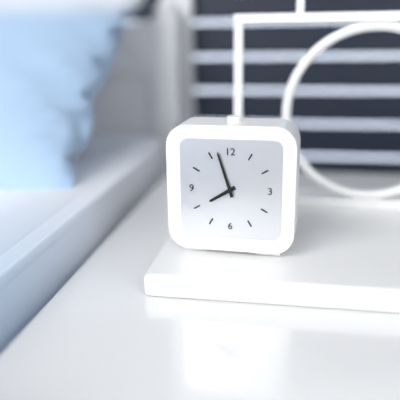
7:57
